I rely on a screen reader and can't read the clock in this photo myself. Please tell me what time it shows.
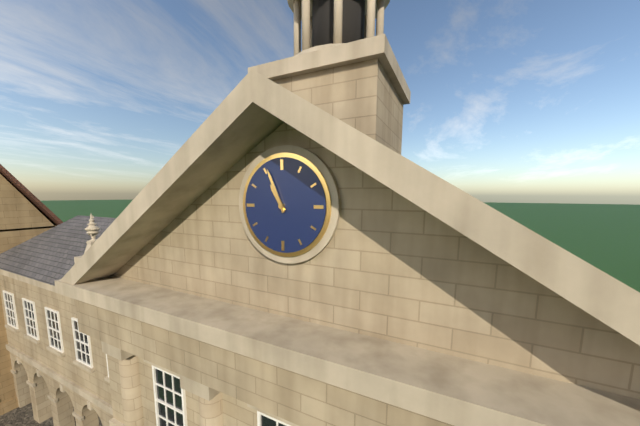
10:56
